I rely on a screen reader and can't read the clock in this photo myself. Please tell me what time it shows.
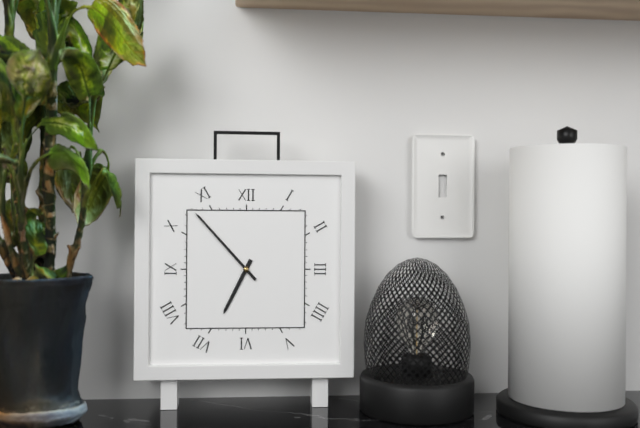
6:53
